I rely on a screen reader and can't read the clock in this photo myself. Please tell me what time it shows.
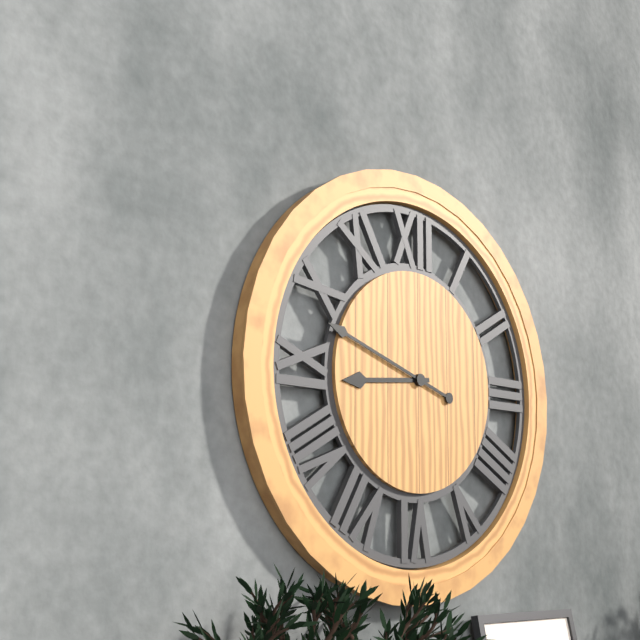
8:48
